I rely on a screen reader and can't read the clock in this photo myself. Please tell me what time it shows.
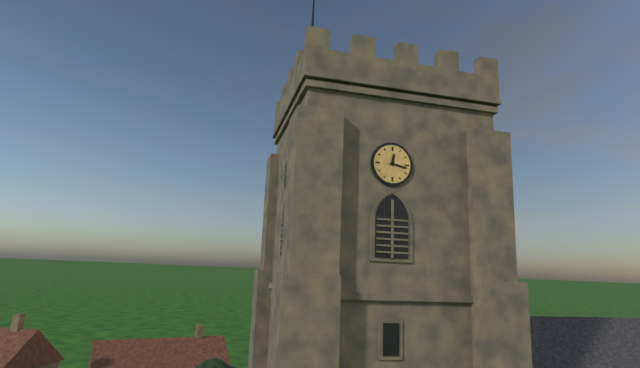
12:17
